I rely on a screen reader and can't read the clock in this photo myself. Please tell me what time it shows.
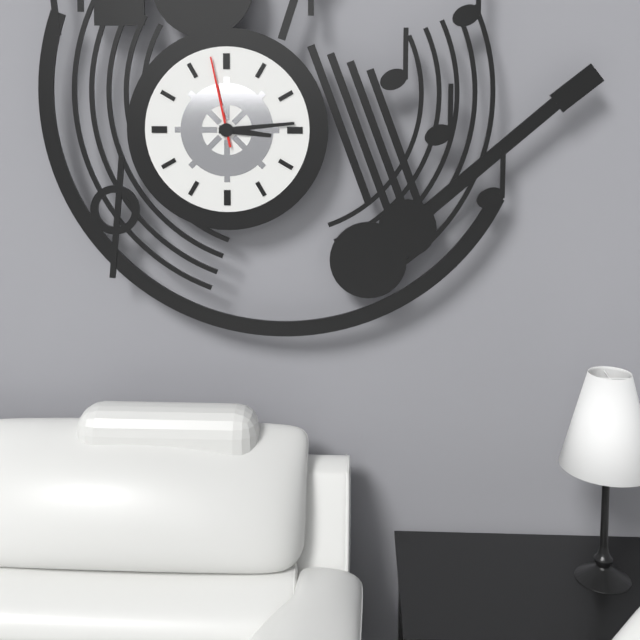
3:14:58
